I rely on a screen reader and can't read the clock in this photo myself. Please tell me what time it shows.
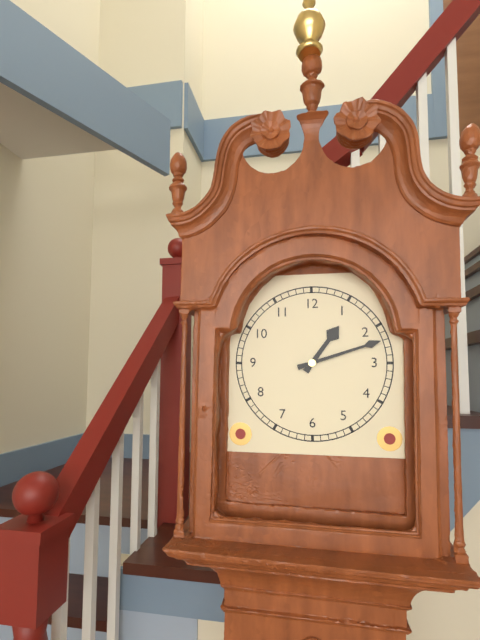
1:12
